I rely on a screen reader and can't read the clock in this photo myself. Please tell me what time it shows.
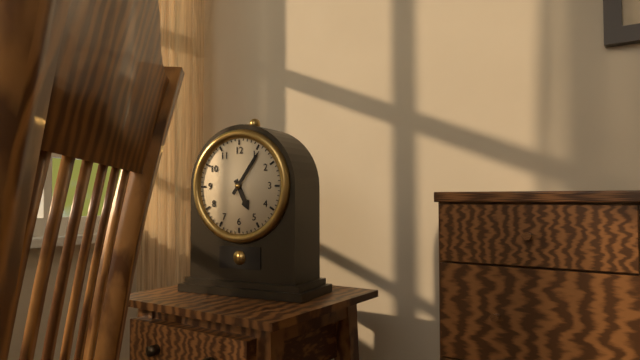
5:06
